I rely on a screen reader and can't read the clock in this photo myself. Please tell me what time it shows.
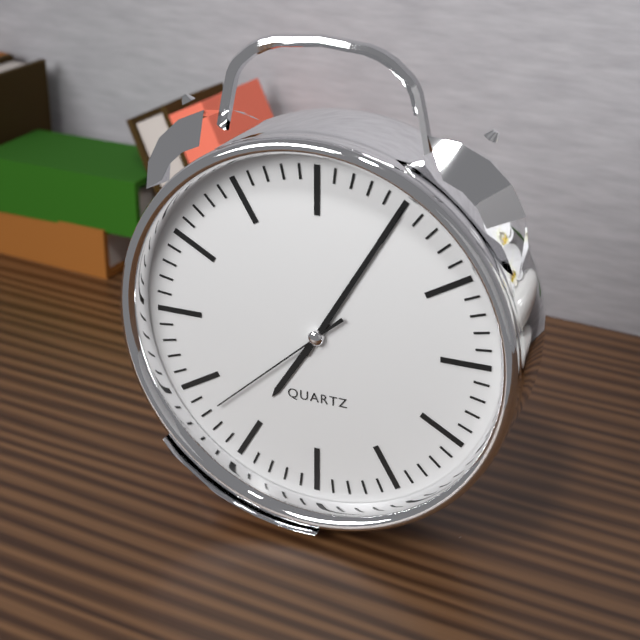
7:05:38
